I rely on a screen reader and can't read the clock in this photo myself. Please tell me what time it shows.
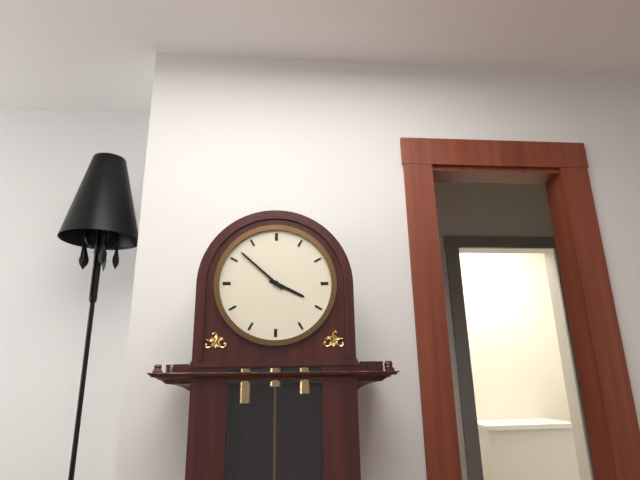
3:52
